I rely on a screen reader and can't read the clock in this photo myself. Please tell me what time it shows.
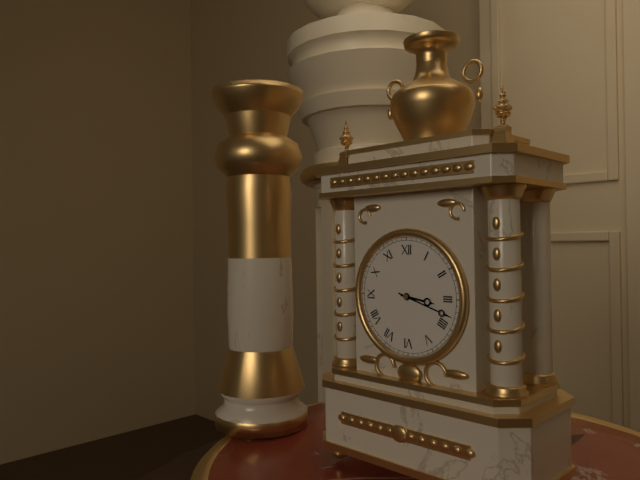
3:18
